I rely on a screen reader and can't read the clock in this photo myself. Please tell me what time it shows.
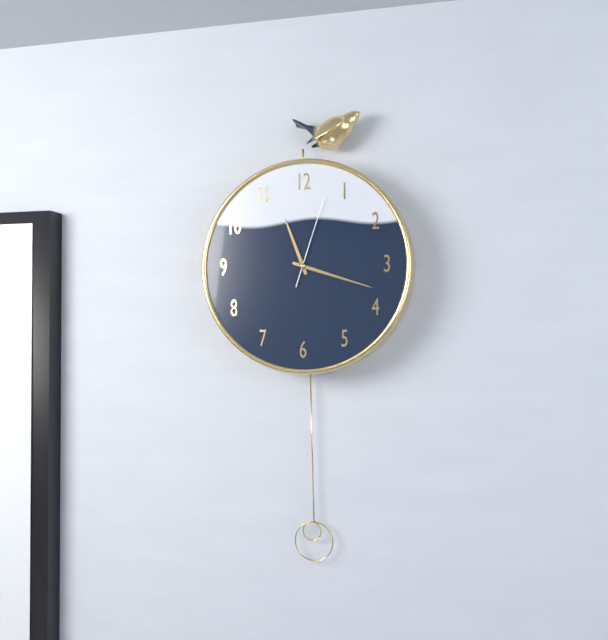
11:18:03
